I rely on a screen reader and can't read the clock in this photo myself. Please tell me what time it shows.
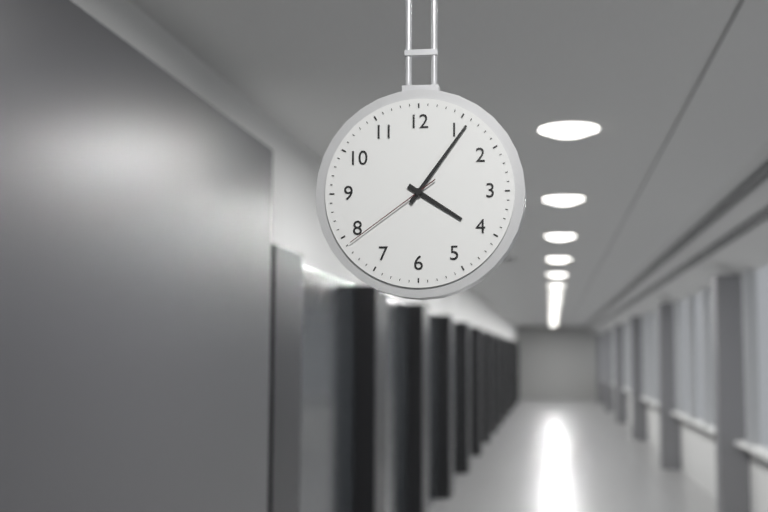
4:06:39
